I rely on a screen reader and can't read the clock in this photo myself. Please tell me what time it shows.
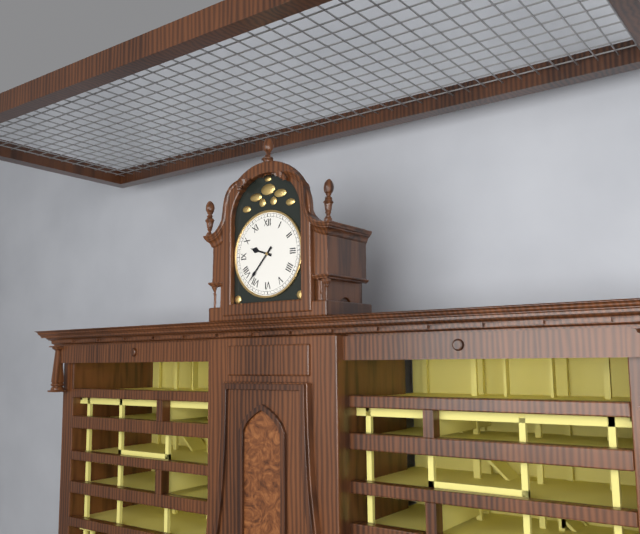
9:37
